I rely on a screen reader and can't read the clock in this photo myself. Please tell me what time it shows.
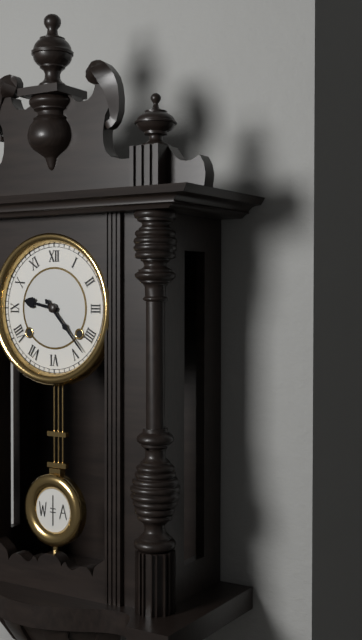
9:23
